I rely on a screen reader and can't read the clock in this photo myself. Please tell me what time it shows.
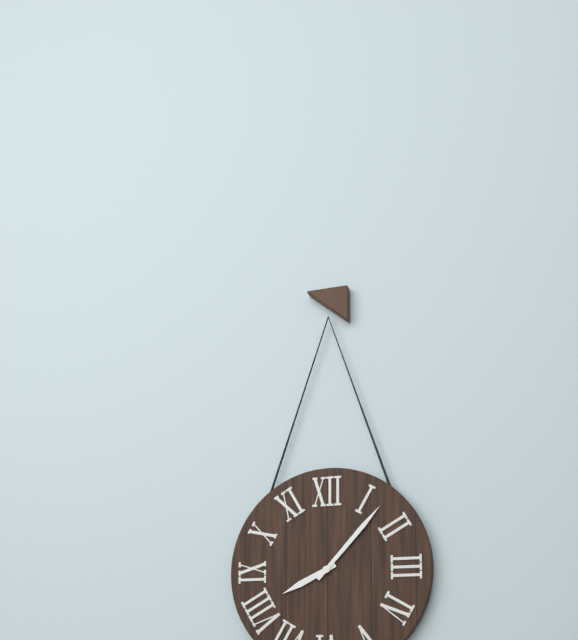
8:07
